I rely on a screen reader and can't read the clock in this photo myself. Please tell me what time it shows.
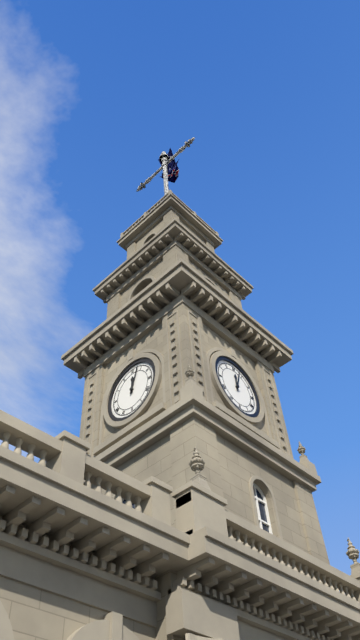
12:03
